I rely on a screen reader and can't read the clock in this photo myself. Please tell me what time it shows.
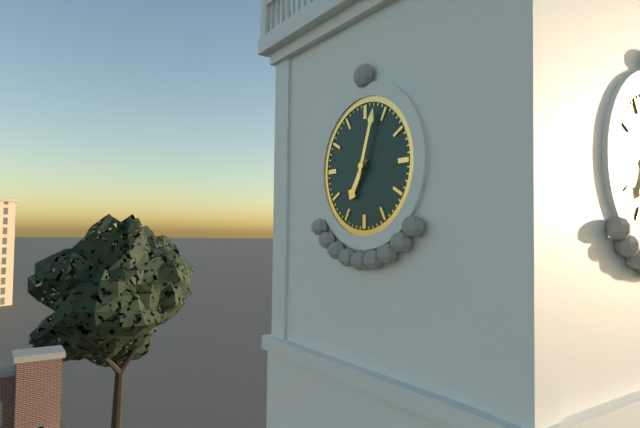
7:03
